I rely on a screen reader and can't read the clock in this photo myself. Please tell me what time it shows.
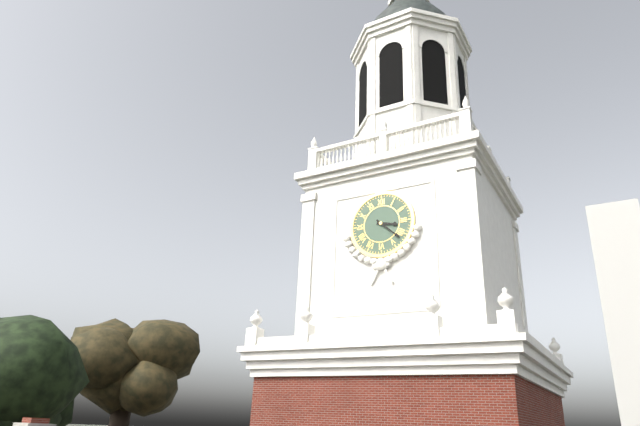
3:22
